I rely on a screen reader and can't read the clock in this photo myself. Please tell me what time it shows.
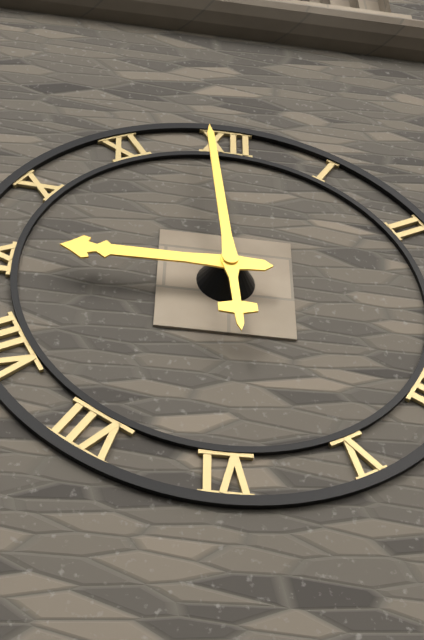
8:59
